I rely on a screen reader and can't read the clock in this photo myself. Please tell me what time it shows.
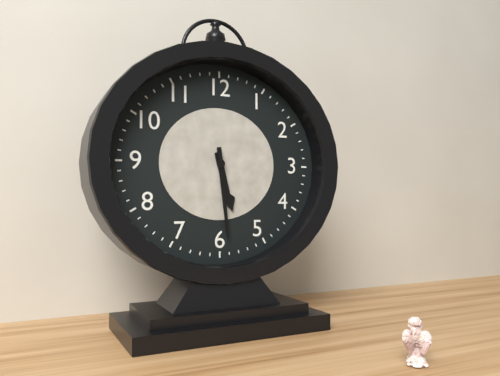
5:29
